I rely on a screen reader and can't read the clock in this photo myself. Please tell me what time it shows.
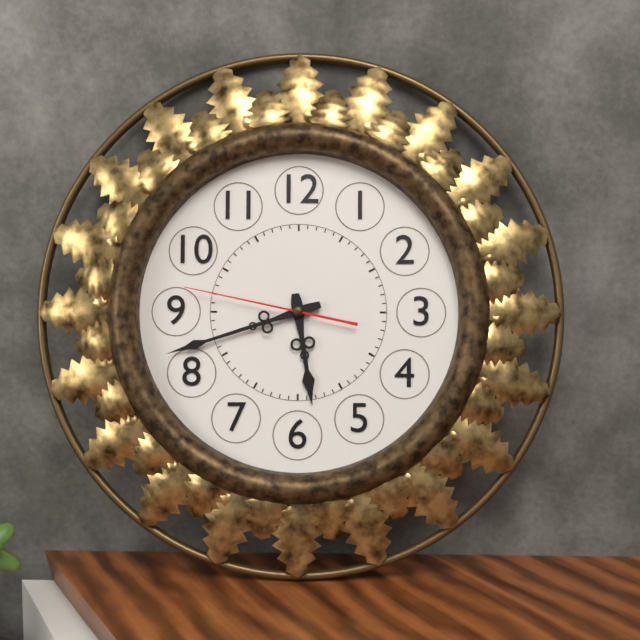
5:42:47
